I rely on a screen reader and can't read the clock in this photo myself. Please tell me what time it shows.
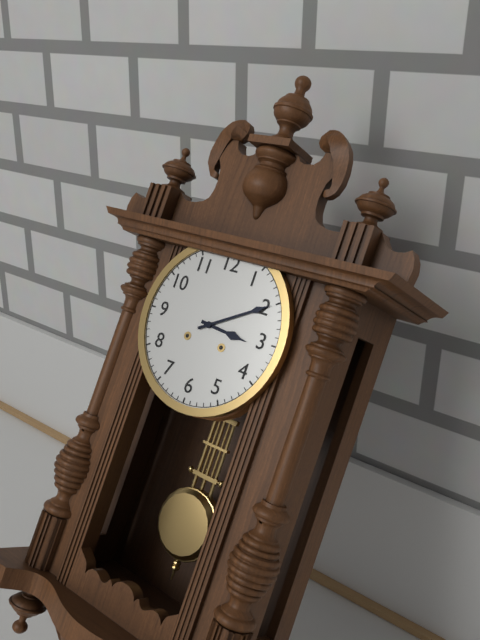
3:10
